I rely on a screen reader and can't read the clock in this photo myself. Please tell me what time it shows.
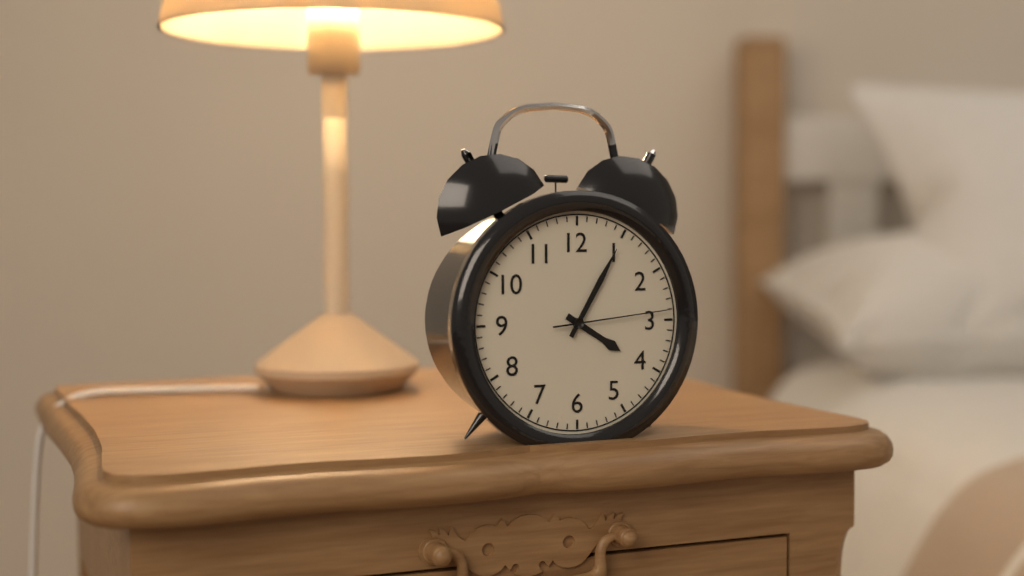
4:05:14
